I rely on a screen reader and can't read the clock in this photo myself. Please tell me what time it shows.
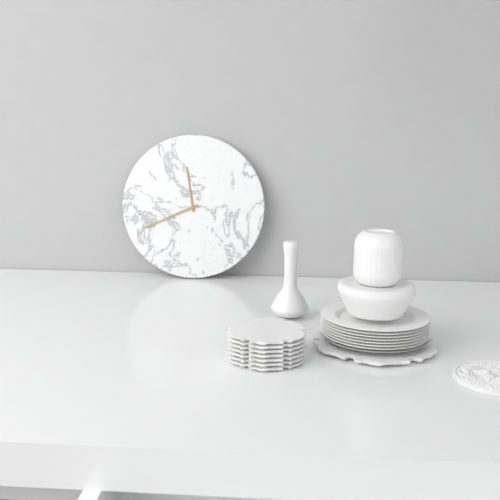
11:41
